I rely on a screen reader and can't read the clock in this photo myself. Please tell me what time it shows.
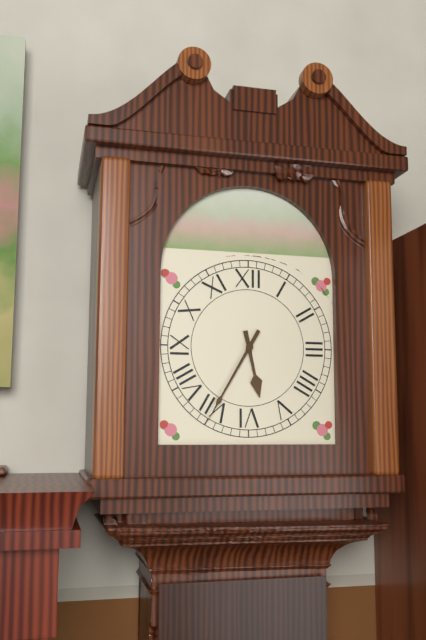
5:35
